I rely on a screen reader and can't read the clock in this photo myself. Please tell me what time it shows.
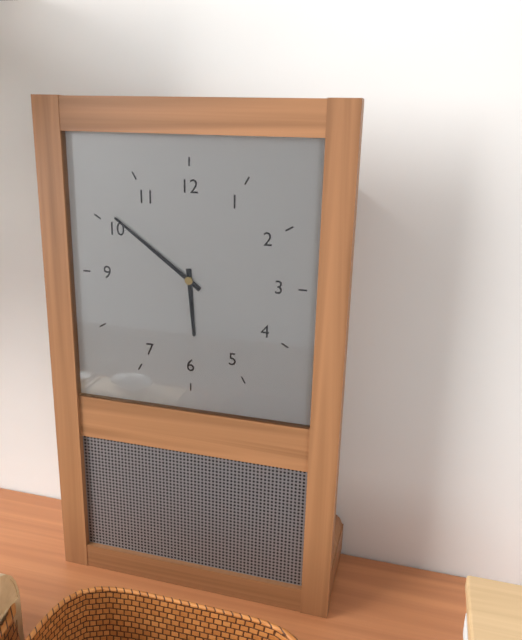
5:51
